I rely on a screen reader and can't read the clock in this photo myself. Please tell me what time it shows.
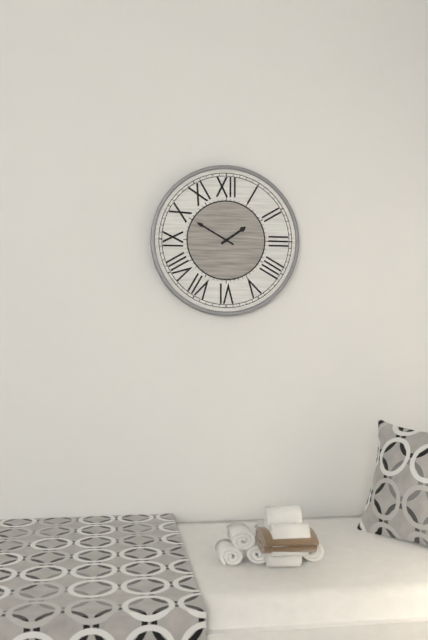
1:50
